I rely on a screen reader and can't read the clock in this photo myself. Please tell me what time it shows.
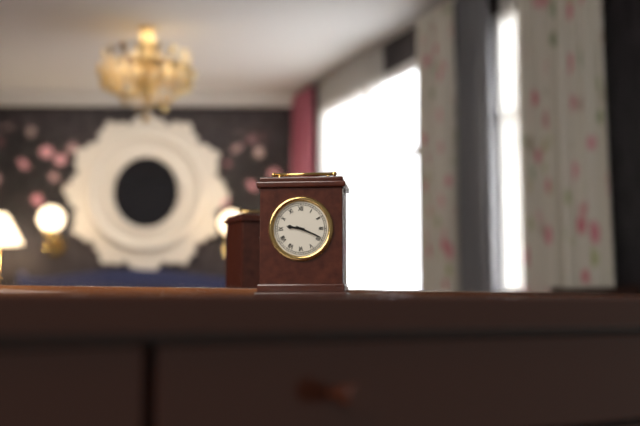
9:19
